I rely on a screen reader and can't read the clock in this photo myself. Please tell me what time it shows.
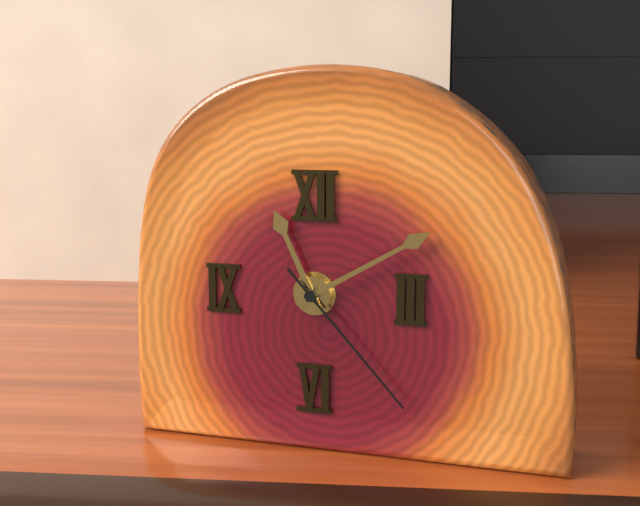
11:10:23
